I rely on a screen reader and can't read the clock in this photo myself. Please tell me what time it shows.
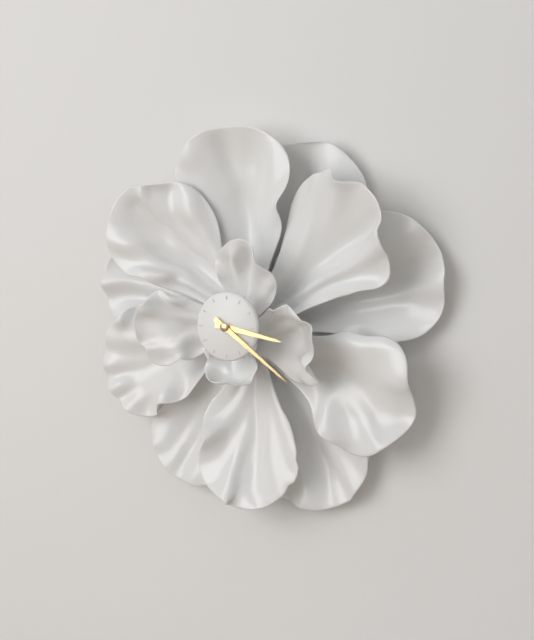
3:21
